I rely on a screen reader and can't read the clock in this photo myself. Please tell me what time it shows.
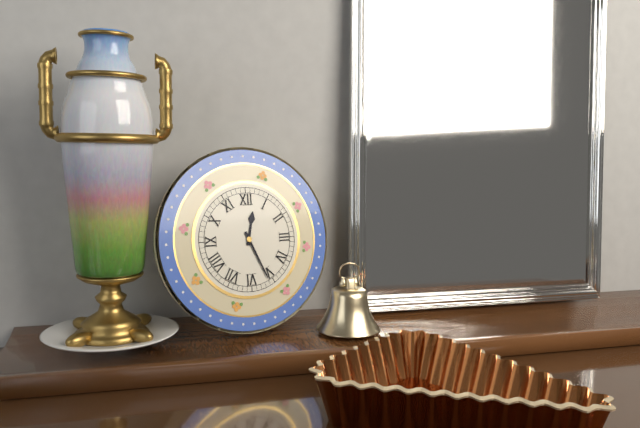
12:26
